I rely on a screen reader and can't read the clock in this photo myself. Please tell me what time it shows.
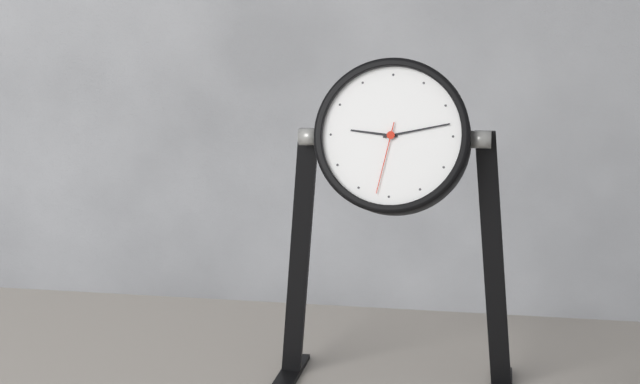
9:13:32
